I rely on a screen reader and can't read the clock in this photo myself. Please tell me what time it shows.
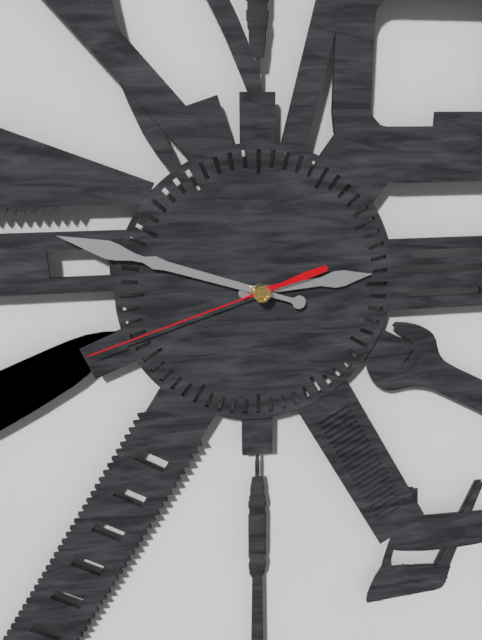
2:48:42
